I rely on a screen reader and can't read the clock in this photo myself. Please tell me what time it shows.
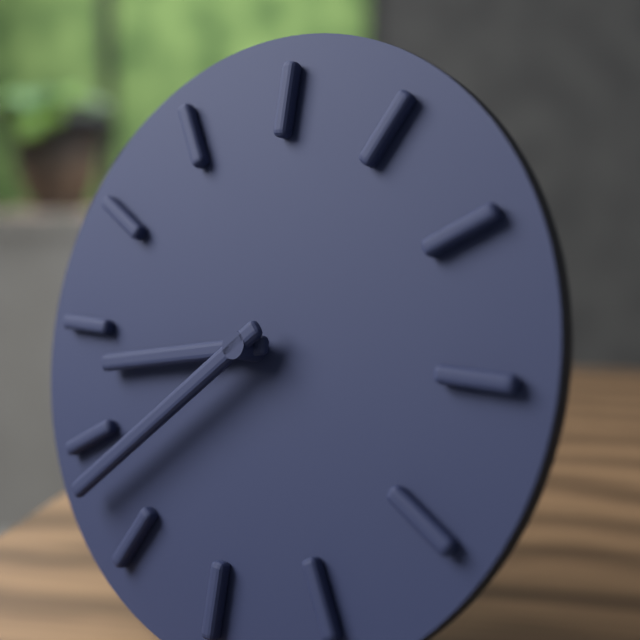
8:38
